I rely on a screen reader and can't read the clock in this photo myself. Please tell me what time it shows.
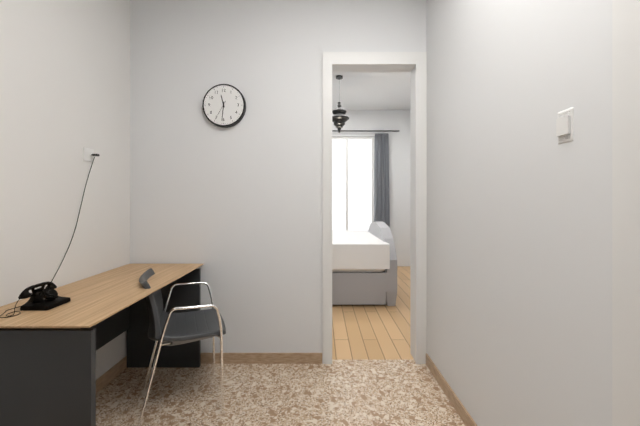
11:31
